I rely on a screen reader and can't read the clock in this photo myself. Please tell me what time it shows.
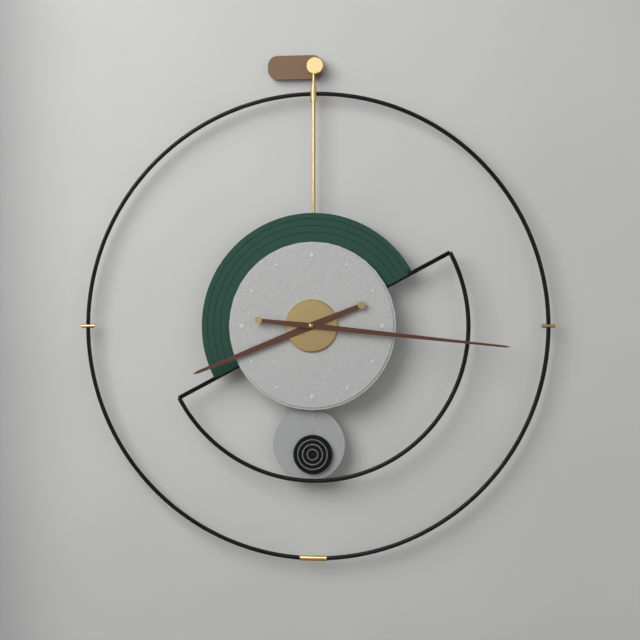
8:16
